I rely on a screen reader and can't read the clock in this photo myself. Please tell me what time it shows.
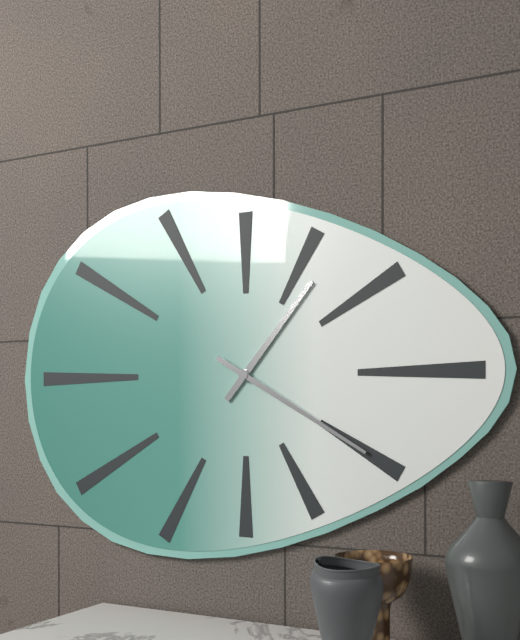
1:20
